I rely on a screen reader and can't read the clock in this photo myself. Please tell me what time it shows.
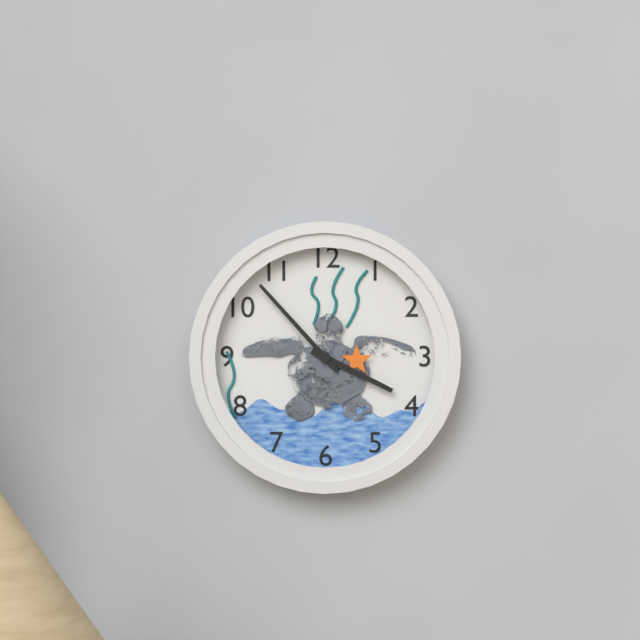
3:53
